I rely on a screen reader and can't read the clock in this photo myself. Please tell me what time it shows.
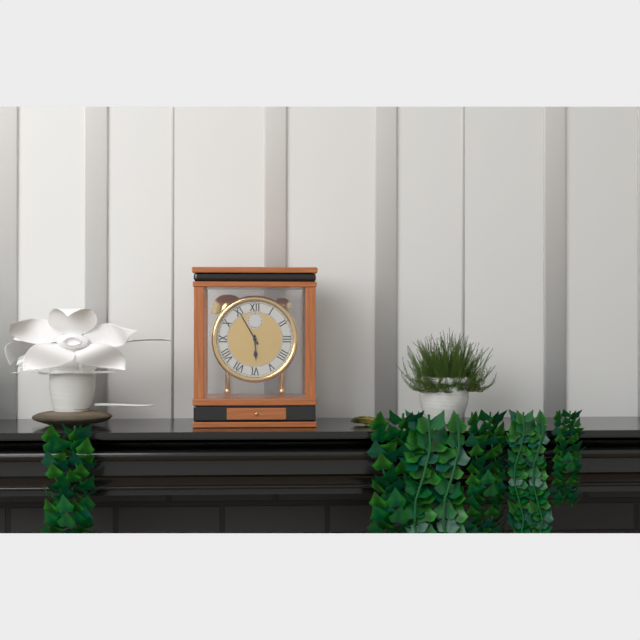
5:55
